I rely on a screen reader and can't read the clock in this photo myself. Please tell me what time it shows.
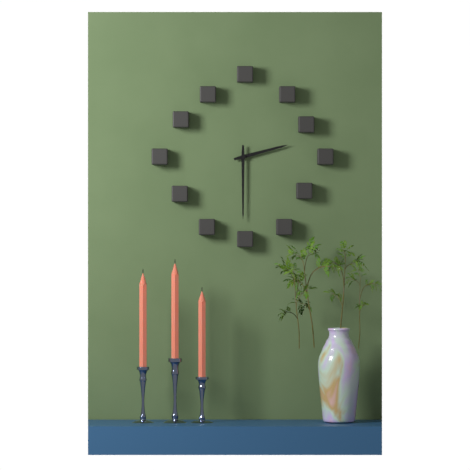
2:30
